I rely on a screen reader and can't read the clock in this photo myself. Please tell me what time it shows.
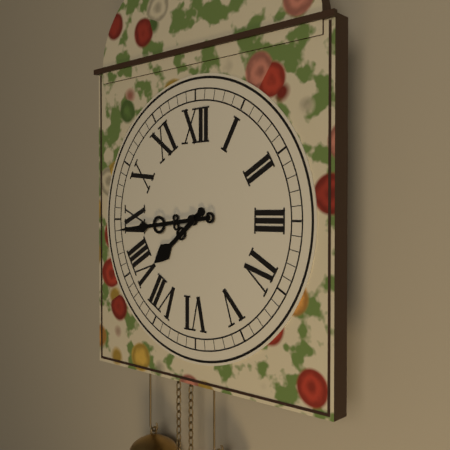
7:44
